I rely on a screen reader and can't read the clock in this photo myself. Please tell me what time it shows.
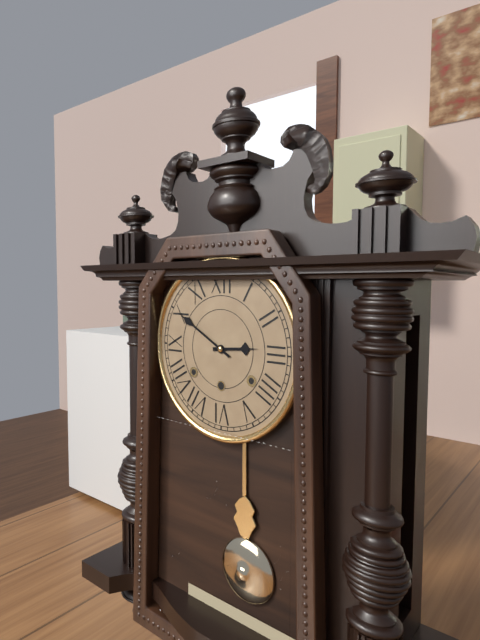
2:50
